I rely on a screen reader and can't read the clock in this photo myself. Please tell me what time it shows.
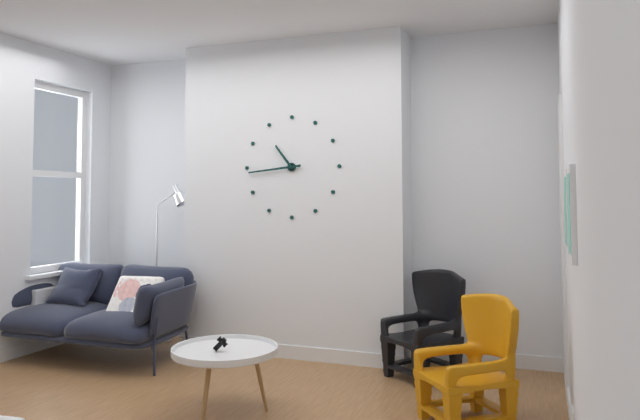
10:44
